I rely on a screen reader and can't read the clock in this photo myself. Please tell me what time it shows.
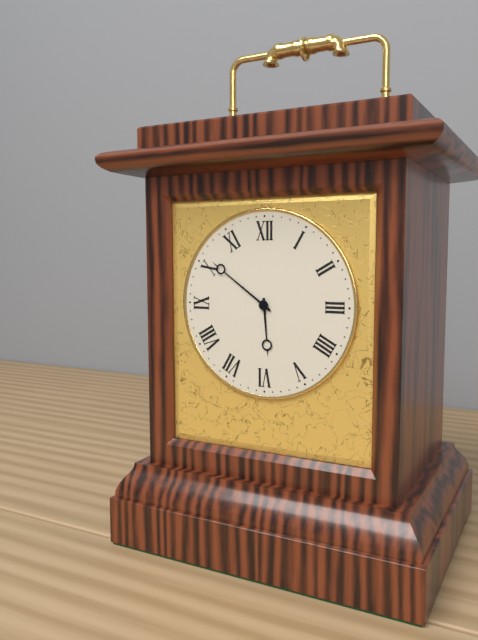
5:51
